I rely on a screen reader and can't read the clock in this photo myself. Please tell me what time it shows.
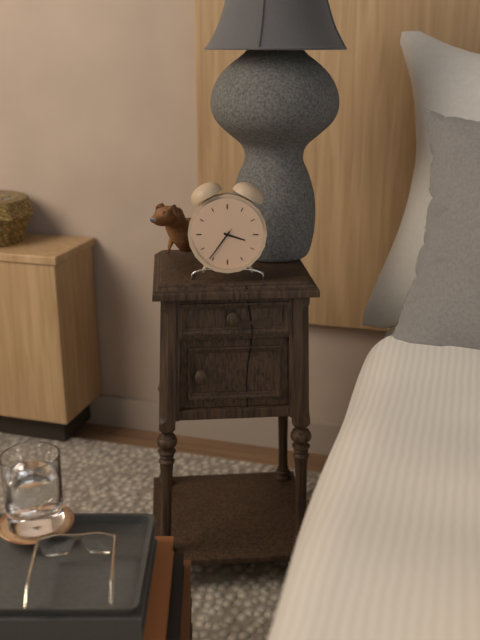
3:36
